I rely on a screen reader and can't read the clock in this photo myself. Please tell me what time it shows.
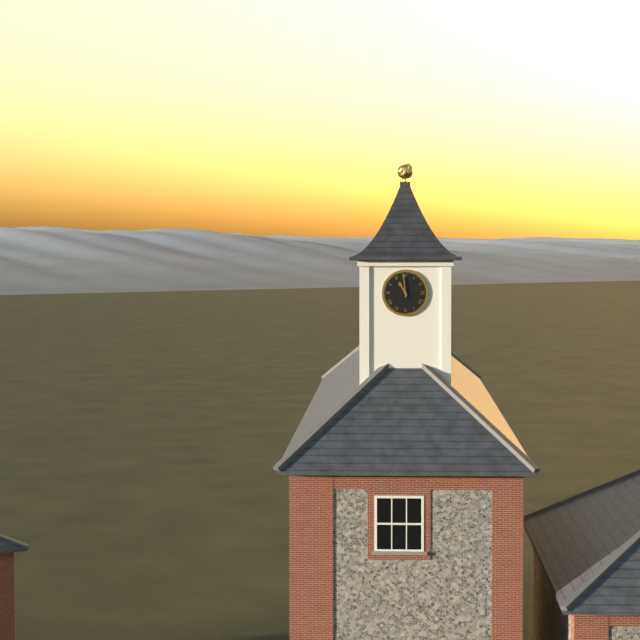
10:59
